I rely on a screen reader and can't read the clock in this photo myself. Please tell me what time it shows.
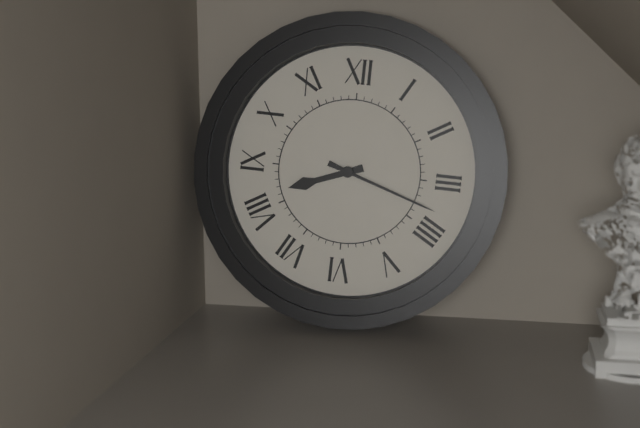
8:18
